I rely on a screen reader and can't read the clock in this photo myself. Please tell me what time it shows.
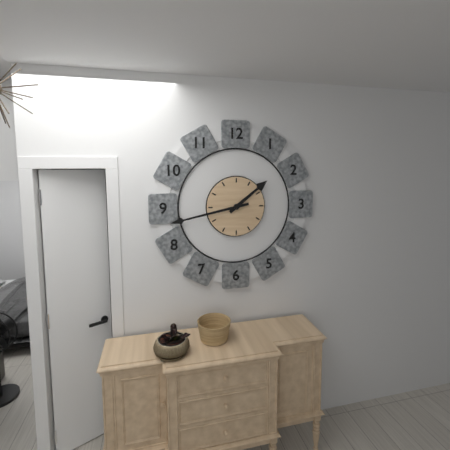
1:43
